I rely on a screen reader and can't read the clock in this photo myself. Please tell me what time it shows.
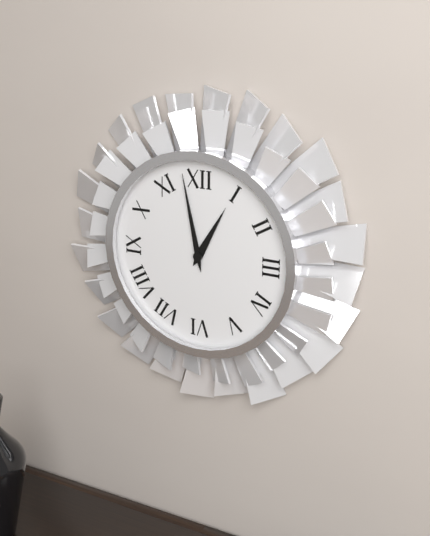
12:58
